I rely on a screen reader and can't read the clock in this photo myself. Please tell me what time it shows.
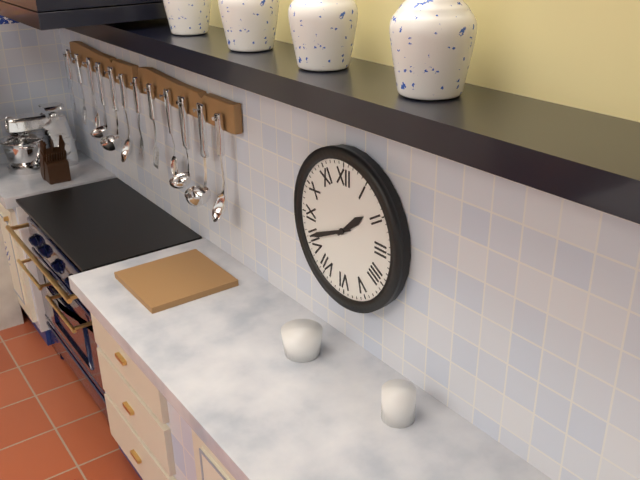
1:41
